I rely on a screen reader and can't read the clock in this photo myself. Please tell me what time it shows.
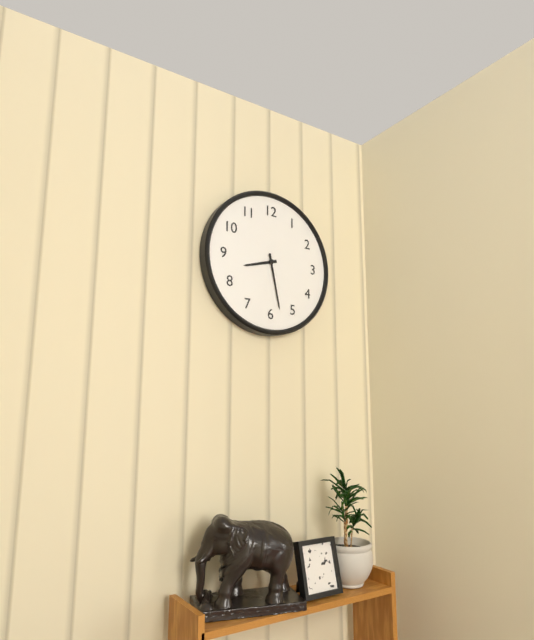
8:28
